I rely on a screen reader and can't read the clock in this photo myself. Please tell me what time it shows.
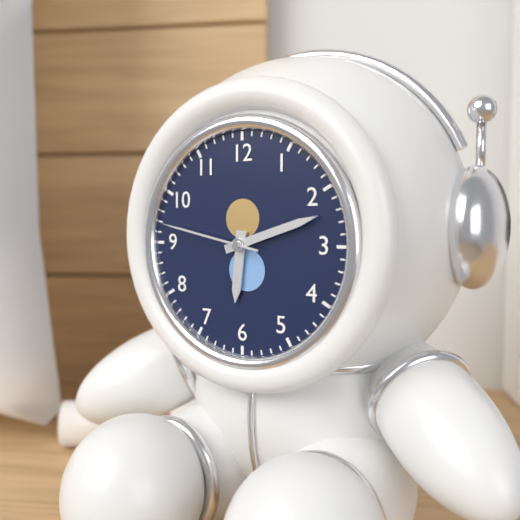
6:12:47
